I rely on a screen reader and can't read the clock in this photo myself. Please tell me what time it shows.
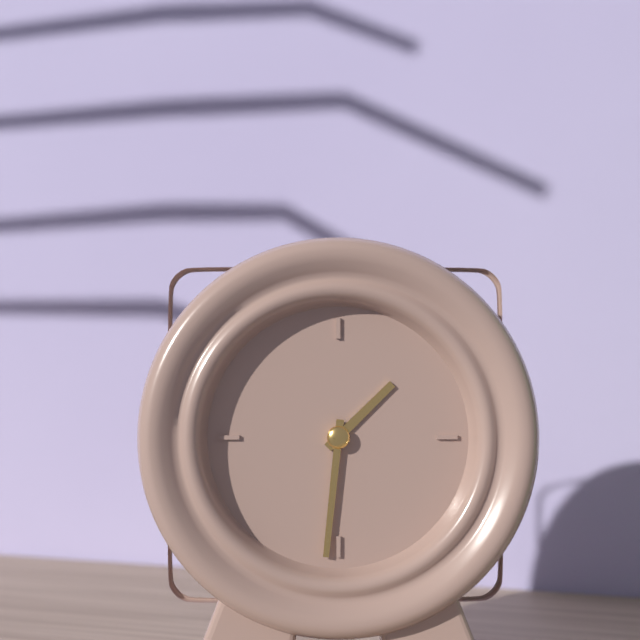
1:31
